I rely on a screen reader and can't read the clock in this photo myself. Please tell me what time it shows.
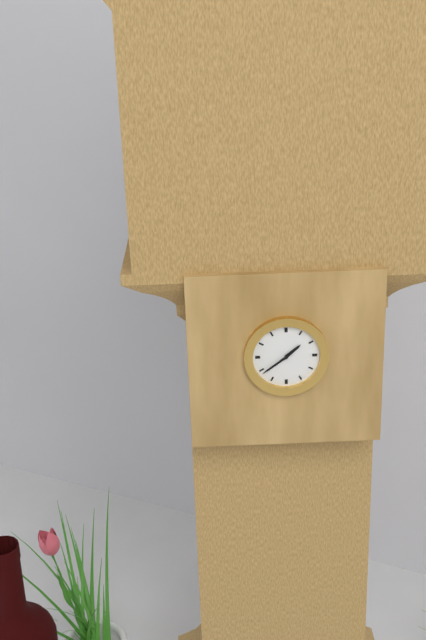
1:39
